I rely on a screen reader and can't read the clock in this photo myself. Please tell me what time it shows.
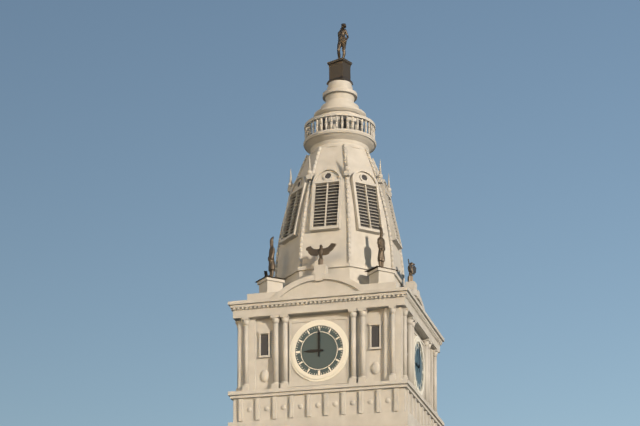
9:00
